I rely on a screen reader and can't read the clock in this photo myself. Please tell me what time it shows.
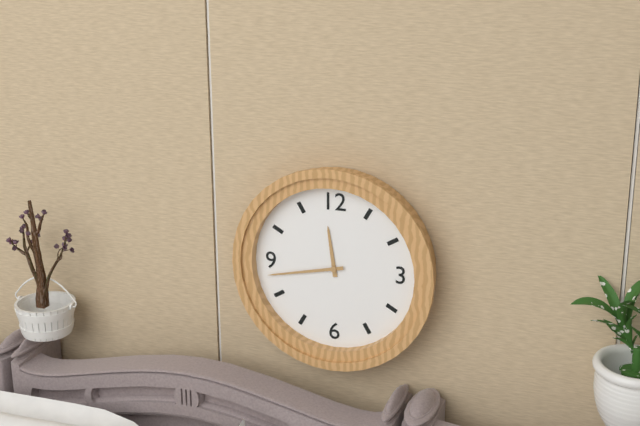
11:43
